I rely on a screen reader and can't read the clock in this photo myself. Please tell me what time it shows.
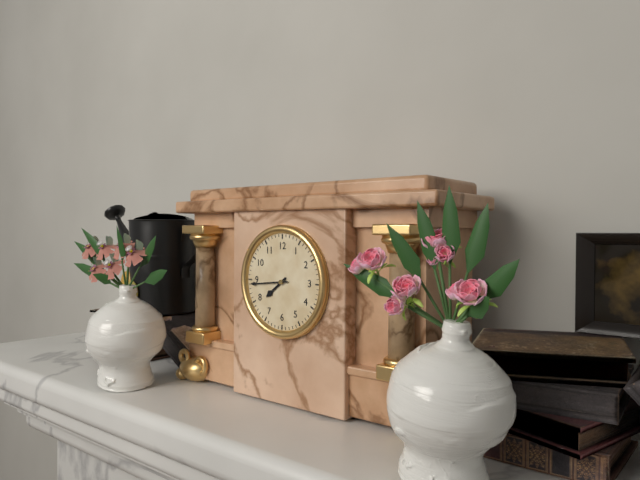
7:44
